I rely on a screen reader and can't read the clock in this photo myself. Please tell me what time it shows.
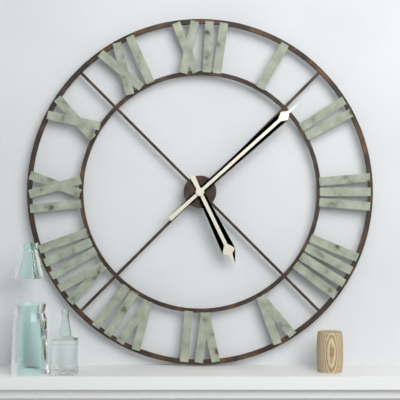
5:08
